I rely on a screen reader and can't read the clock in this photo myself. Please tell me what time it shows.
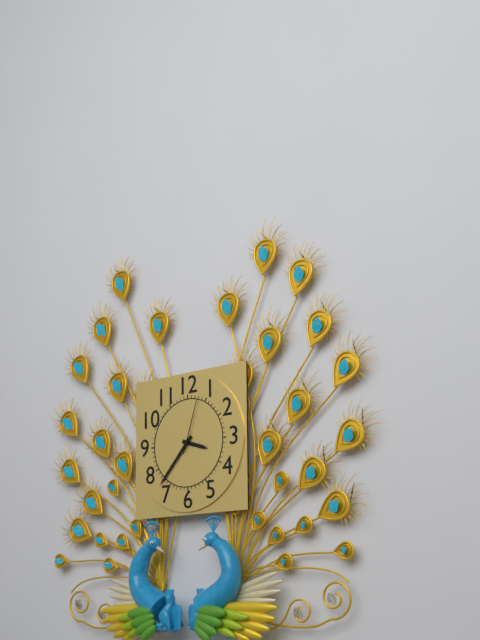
3:37:03
